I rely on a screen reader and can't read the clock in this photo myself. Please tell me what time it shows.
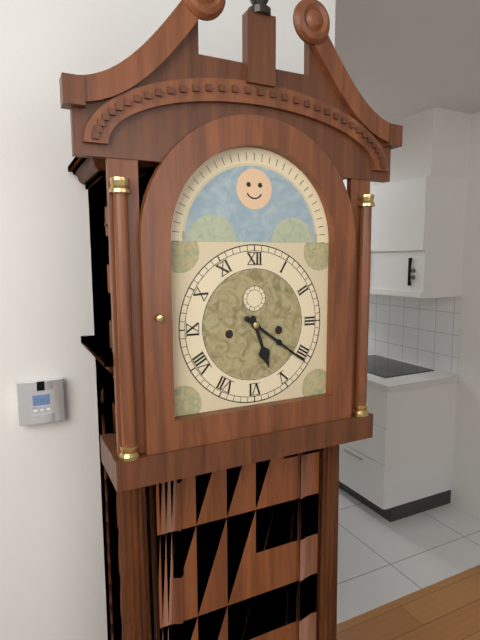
5:21
